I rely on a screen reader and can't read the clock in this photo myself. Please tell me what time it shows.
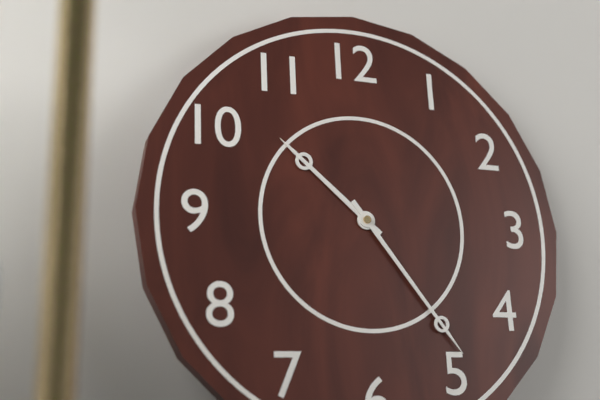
10:24
